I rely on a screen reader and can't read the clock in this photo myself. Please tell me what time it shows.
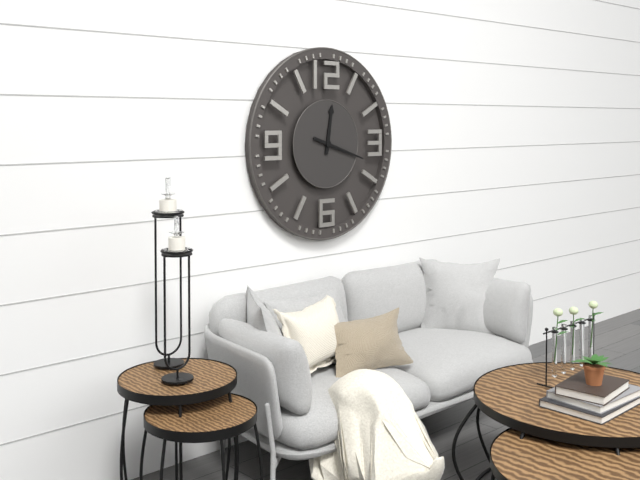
12:18
